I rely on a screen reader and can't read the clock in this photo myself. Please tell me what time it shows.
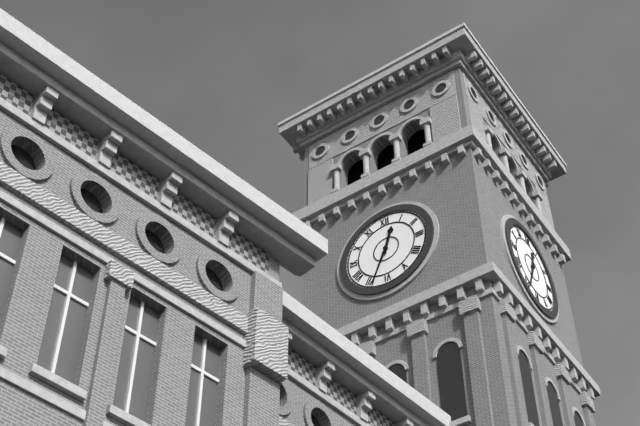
12:34
